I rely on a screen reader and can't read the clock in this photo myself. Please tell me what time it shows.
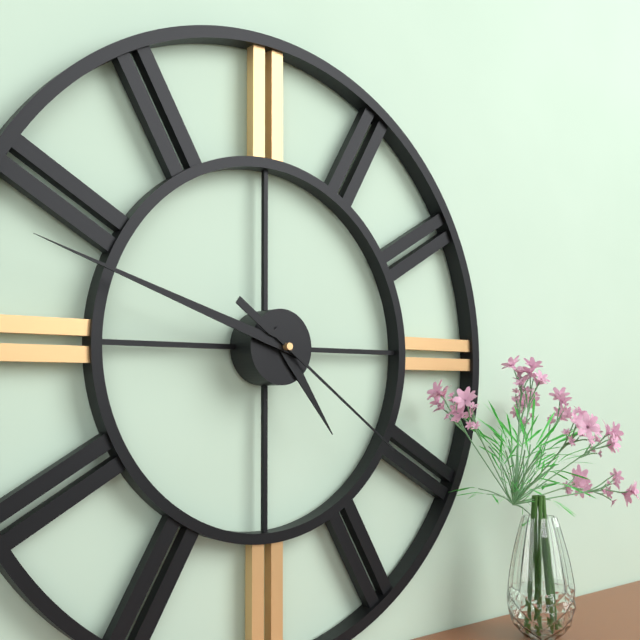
4:48:21
